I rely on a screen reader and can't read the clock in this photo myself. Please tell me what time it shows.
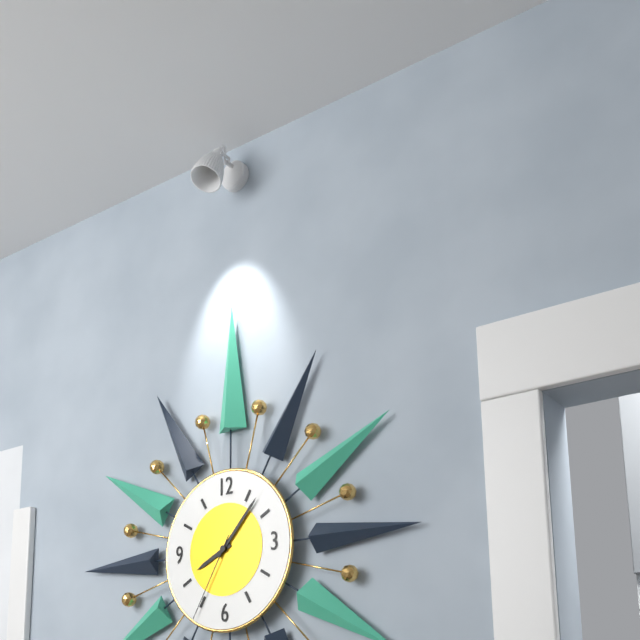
8:07:35
